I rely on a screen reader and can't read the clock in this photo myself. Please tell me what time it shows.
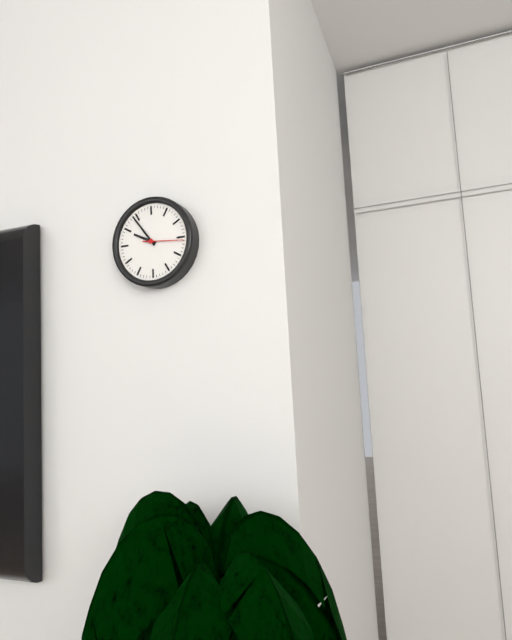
9:54
